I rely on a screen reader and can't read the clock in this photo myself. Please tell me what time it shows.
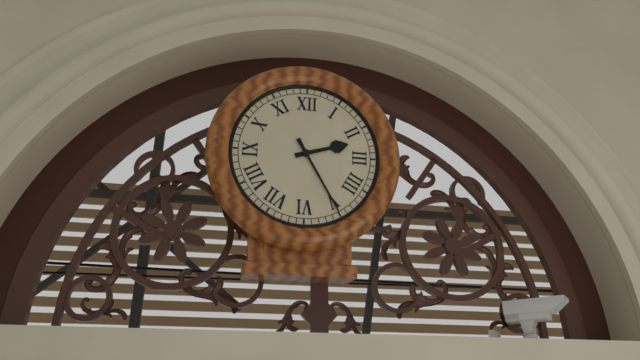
2:25
